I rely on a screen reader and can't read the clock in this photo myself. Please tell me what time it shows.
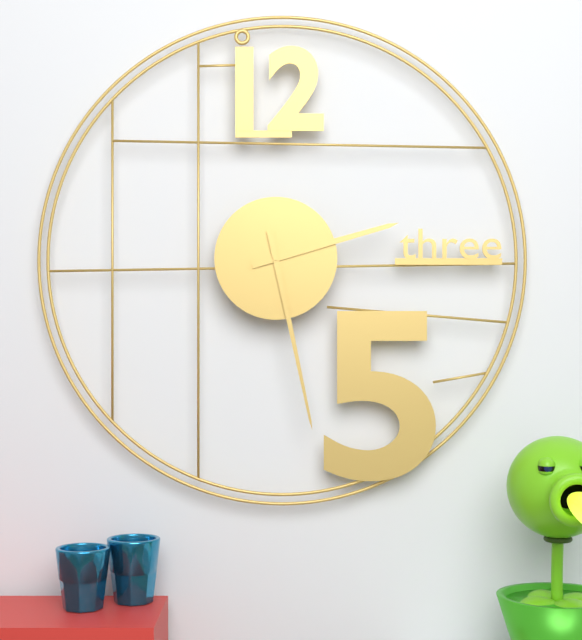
2:28
